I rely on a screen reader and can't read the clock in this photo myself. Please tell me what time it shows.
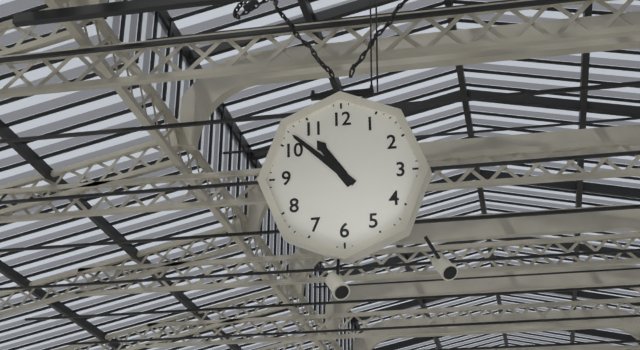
10:52
